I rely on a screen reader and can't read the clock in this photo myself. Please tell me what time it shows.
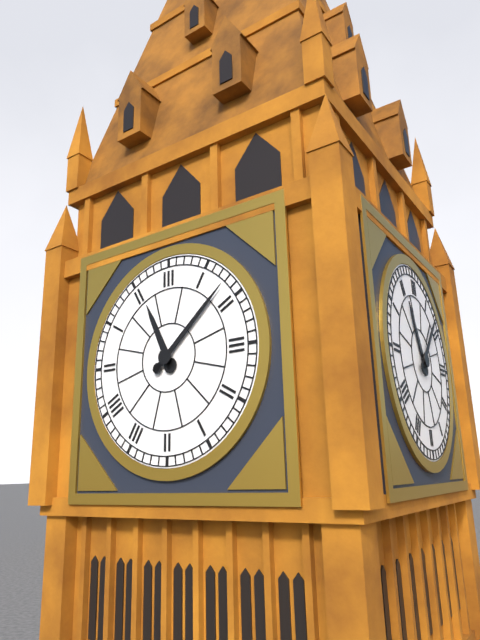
11:08
